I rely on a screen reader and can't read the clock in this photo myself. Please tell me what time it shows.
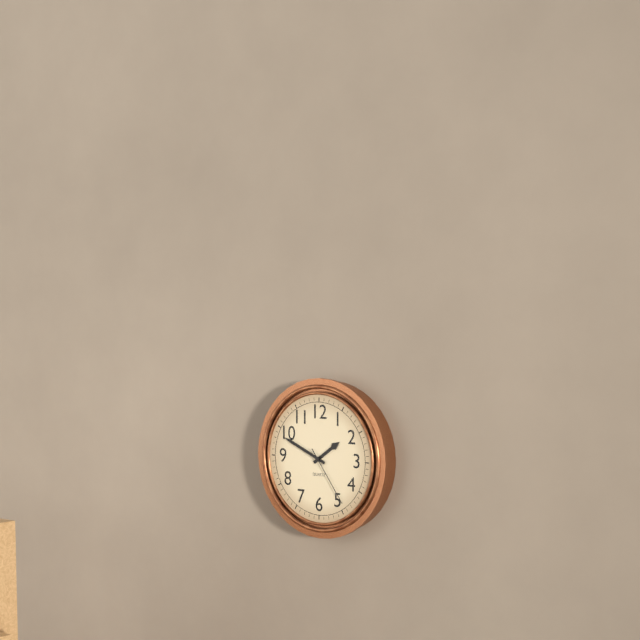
1:49:24
